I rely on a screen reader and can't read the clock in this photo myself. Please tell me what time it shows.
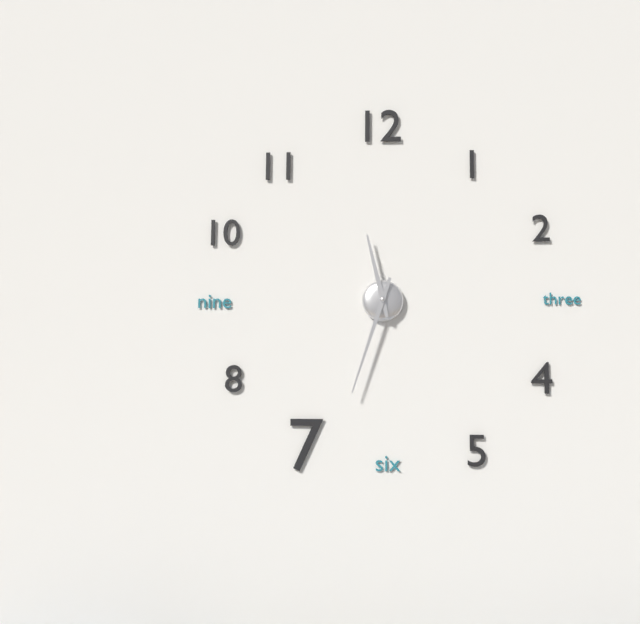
11:33
